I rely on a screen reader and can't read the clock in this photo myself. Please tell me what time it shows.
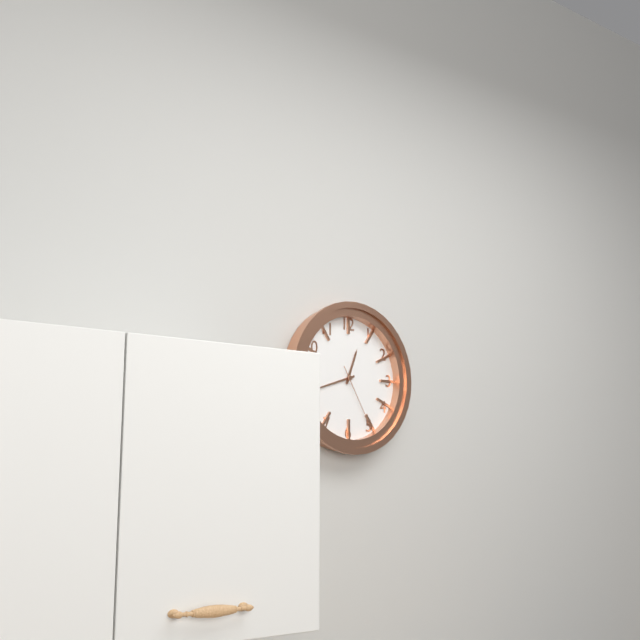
12:42:25
